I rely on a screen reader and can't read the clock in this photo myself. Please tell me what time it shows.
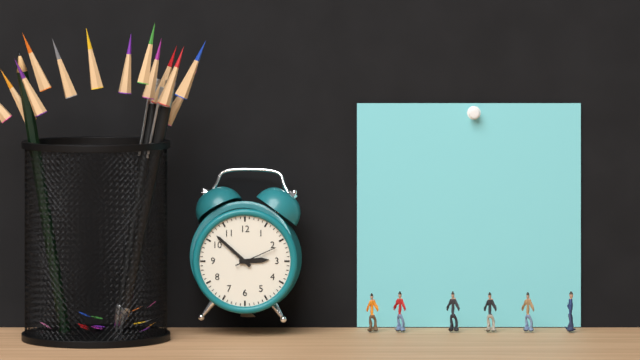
2:52
